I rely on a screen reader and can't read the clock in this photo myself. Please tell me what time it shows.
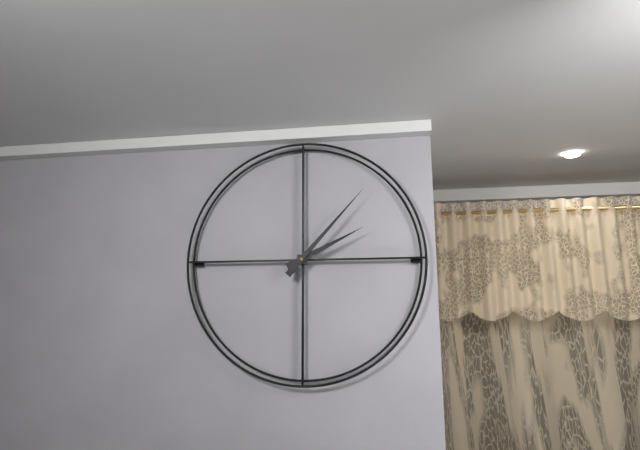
2:07
